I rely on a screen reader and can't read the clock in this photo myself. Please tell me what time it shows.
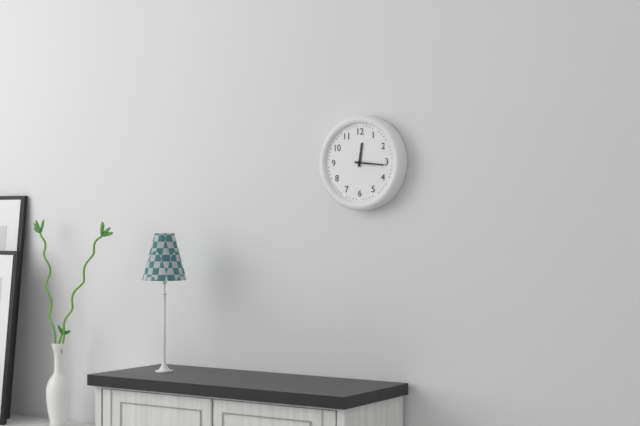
12:16
